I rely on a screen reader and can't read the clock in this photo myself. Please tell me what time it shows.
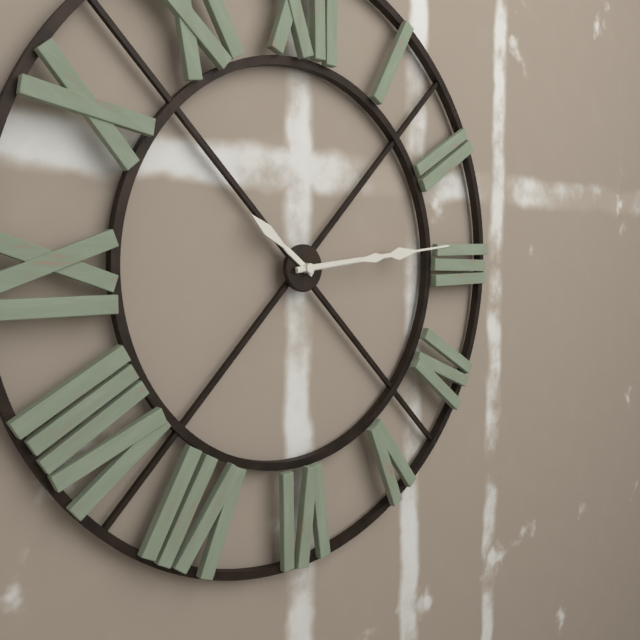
10:14:14
